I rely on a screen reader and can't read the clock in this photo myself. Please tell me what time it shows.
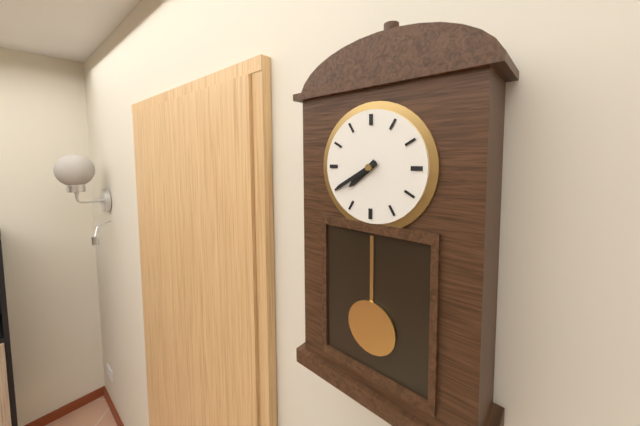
7:40
